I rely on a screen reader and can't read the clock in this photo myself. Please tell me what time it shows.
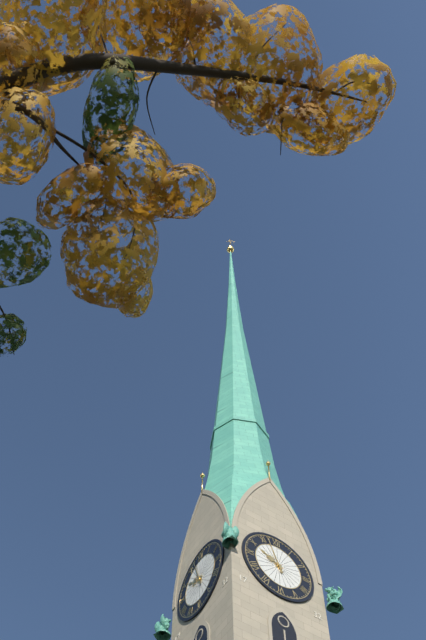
9:57
